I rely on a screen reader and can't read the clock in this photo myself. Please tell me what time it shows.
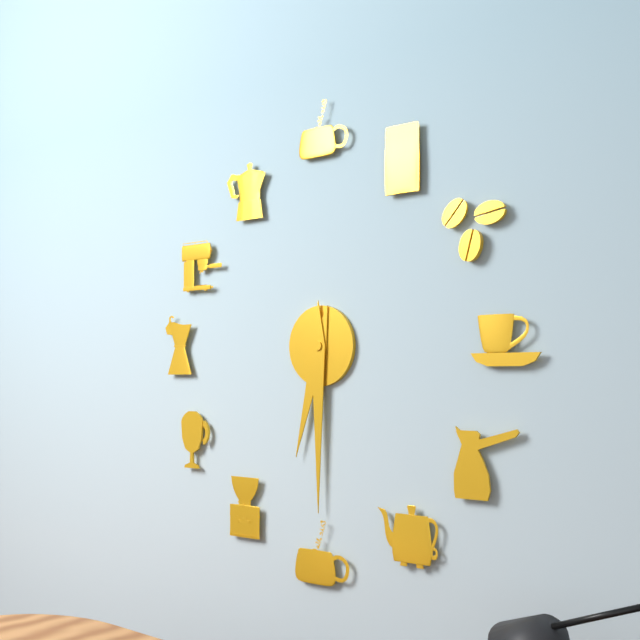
6:30
